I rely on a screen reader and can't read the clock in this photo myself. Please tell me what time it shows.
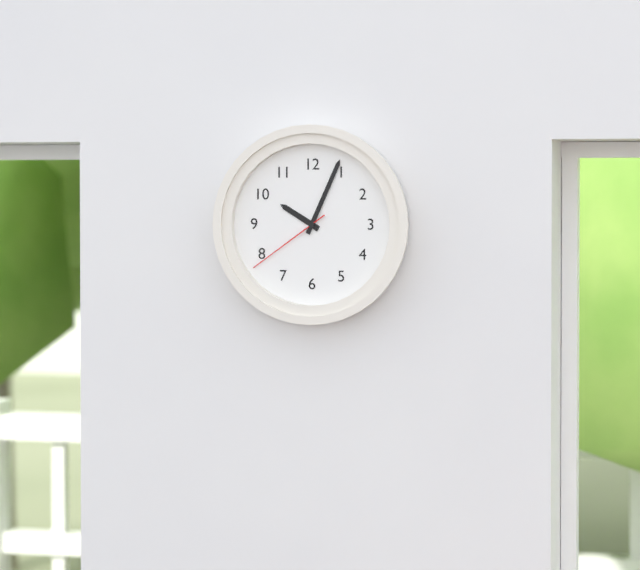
10:04:39
